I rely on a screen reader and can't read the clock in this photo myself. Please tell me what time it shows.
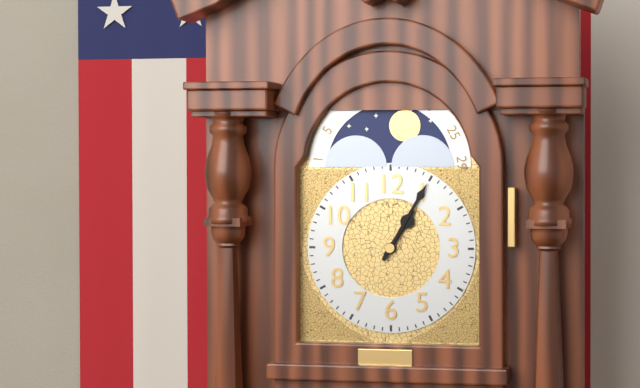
1:05
